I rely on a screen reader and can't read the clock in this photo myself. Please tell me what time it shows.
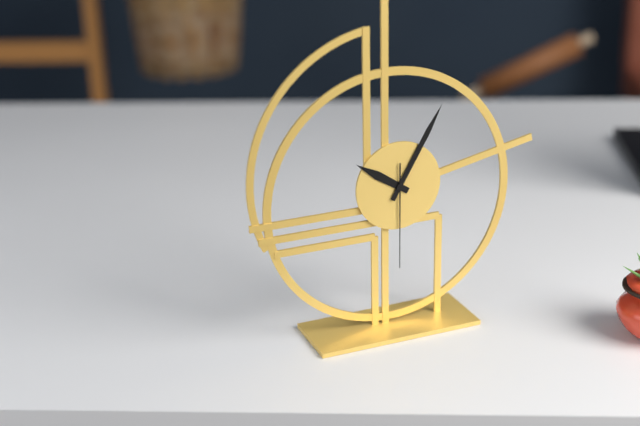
10:05:30
